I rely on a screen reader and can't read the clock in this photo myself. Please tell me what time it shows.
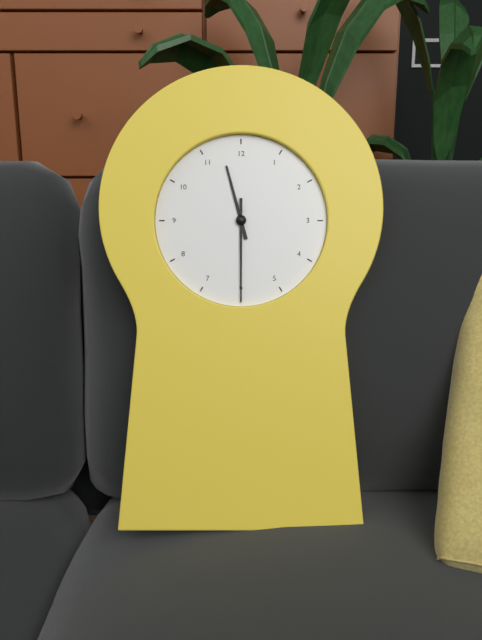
11:30
